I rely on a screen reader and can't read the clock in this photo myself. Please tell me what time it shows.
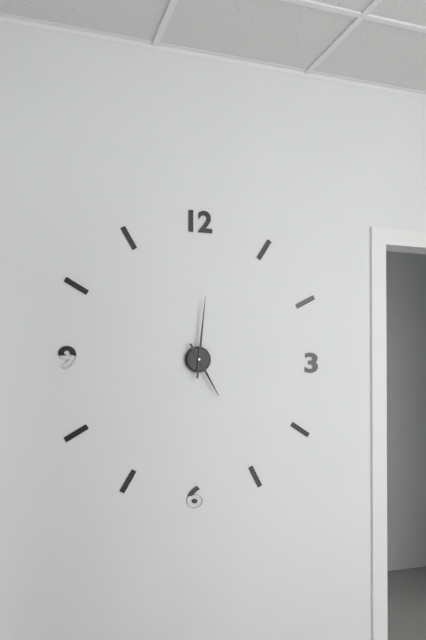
5:01
